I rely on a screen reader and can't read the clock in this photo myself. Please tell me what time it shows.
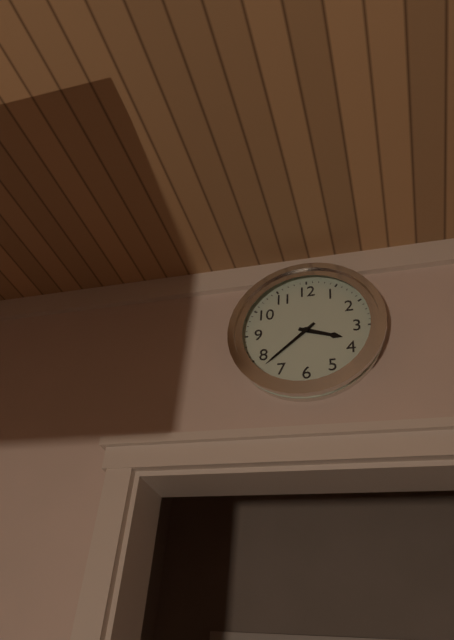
3:38
